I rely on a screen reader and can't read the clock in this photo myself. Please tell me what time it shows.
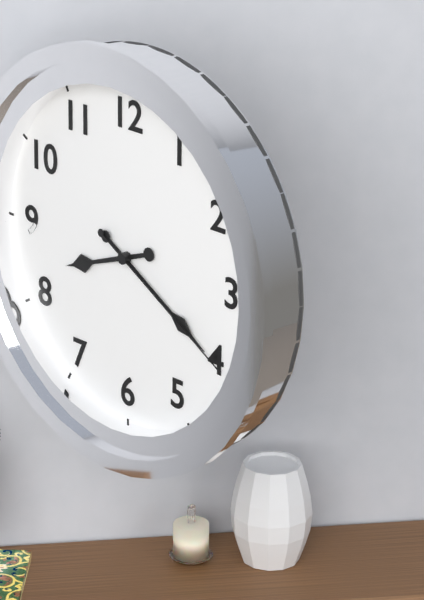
8:20:20
